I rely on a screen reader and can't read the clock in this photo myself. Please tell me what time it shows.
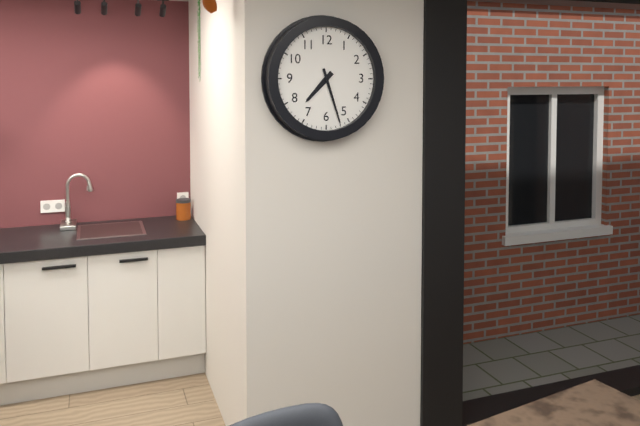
7:27
